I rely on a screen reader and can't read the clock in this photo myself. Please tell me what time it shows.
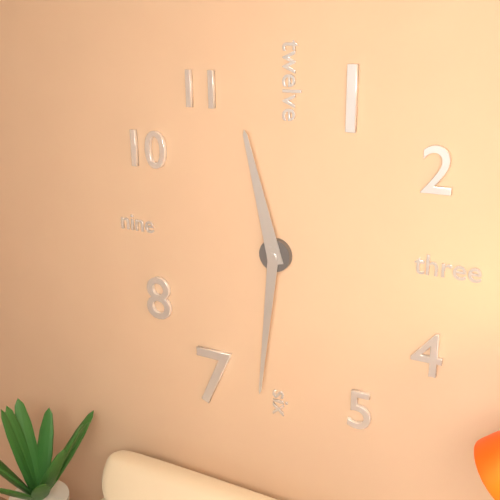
11:31
